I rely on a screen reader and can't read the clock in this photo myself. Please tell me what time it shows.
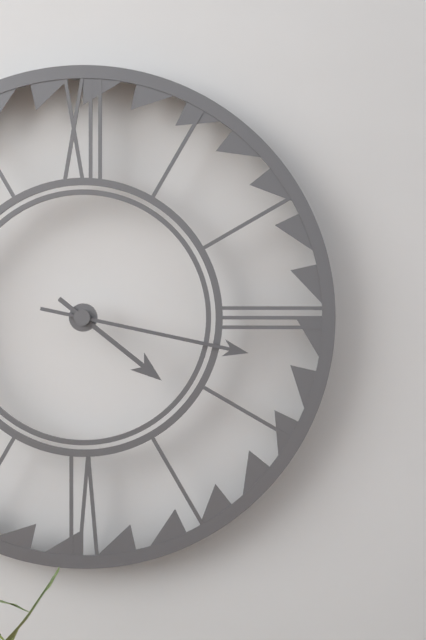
4:17
